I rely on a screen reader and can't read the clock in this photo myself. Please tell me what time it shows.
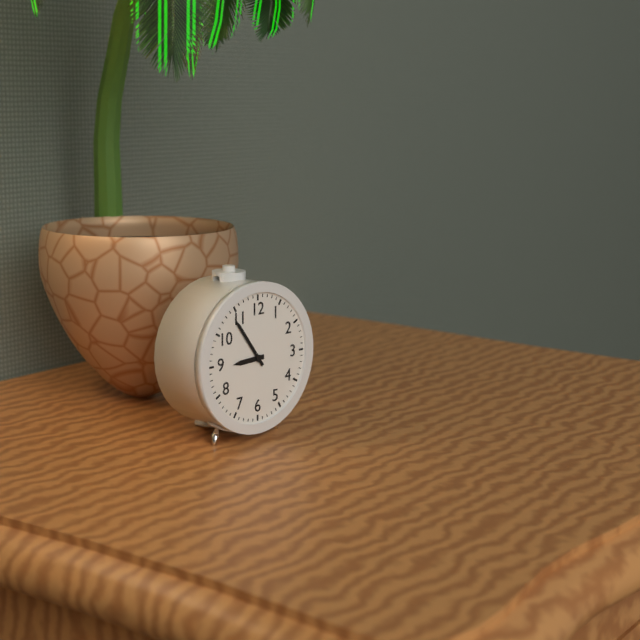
8:54
